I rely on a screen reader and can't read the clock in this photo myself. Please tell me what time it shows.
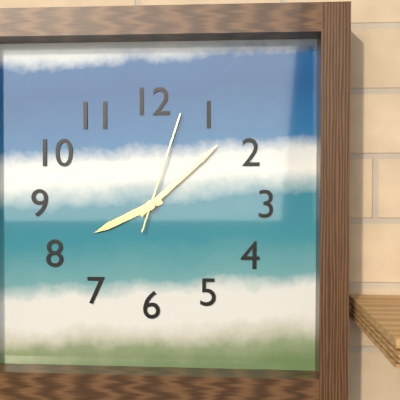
8:08:03
